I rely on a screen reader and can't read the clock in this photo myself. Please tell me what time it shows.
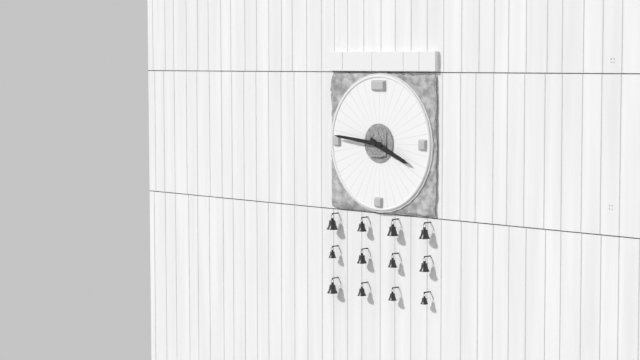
3:46
